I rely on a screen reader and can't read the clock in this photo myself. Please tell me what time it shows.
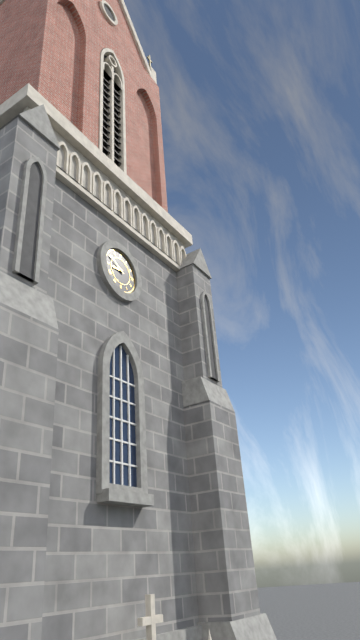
8:50
